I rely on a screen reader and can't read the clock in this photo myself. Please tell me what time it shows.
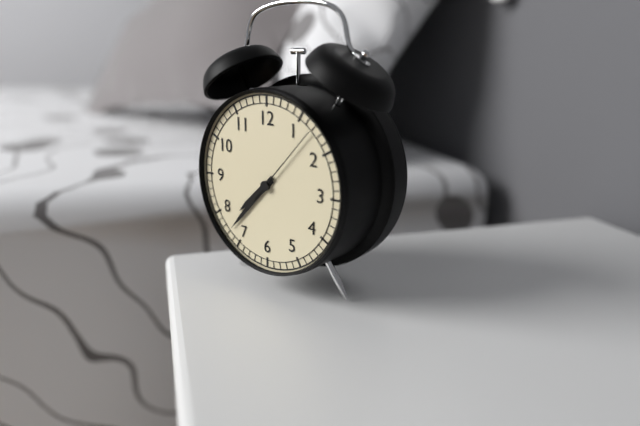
7:37:07
